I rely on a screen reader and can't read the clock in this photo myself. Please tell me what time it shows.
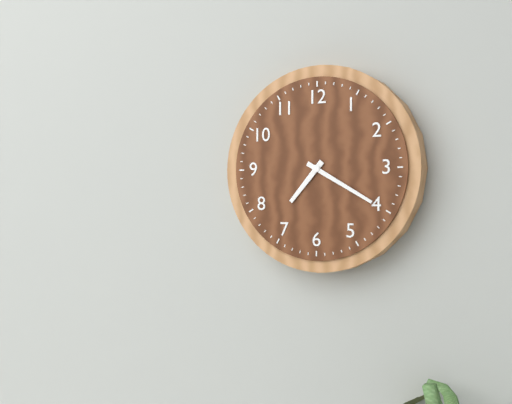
7:20
